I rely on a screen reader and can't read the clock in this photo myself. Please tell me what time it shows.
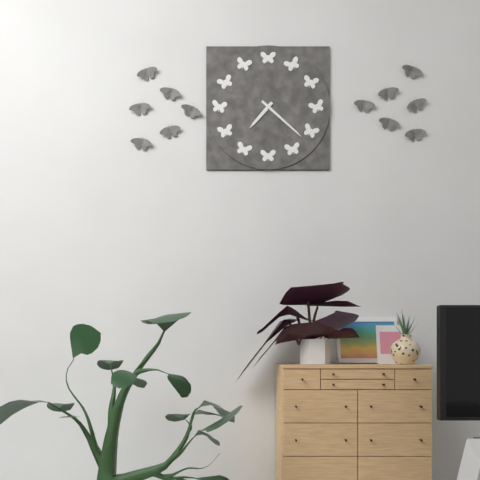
7:22
